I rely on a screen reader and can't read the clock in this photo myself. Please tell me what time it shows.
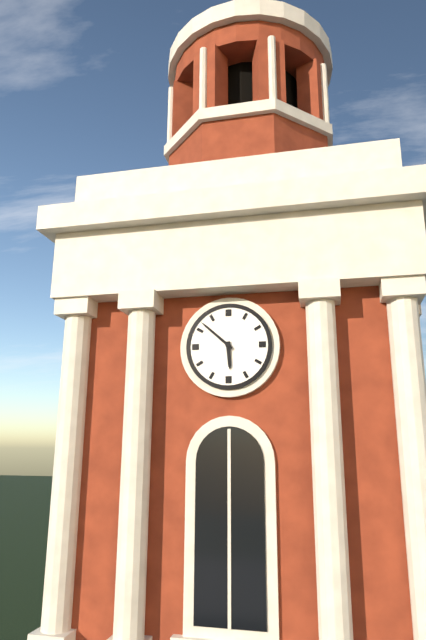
5:52
